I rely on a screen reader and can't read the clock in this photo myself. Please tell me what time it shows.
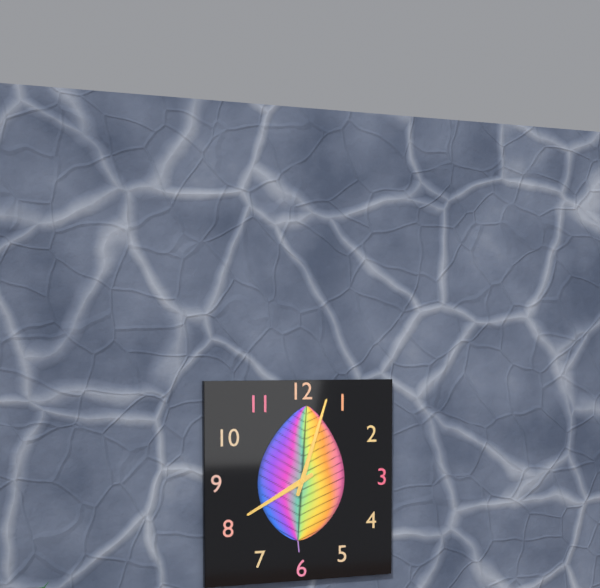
8:03
